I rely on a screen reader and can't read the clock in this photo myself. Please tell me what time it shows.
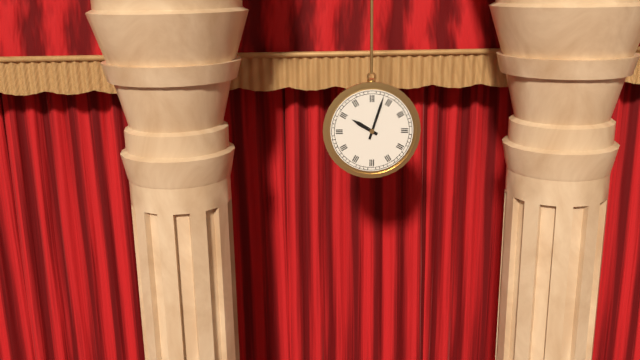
10:03
